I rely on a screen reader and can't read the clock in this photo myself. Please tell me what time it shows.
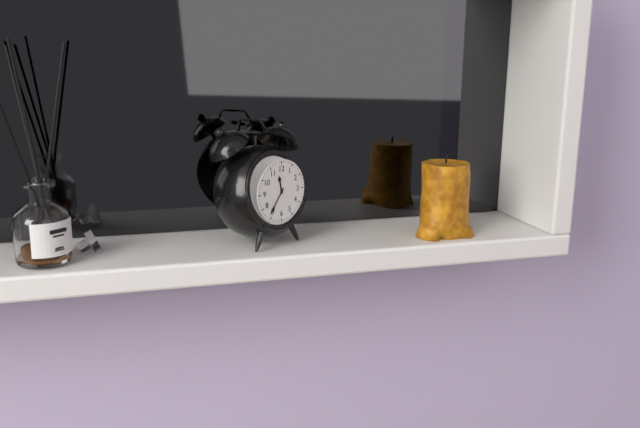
11:36
